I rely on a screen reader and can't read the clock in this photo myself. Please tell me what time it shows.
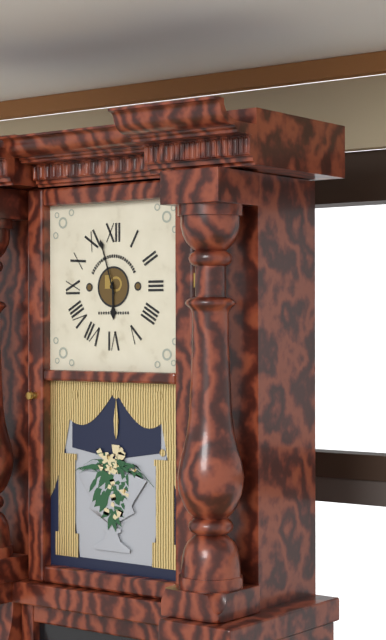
5:57
